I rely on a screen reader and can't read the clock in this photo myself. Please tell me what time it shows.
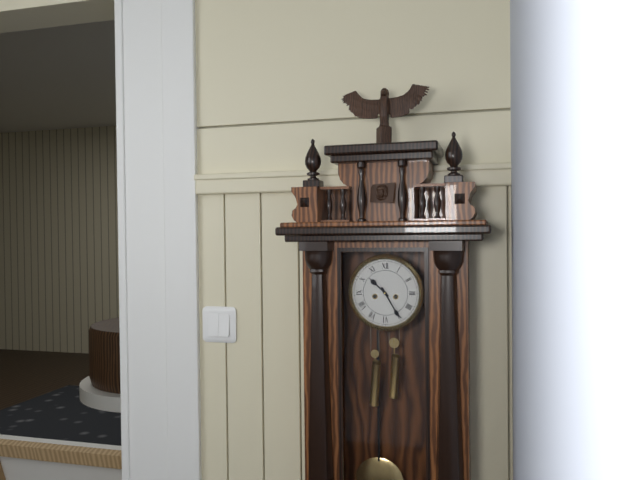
10:25
